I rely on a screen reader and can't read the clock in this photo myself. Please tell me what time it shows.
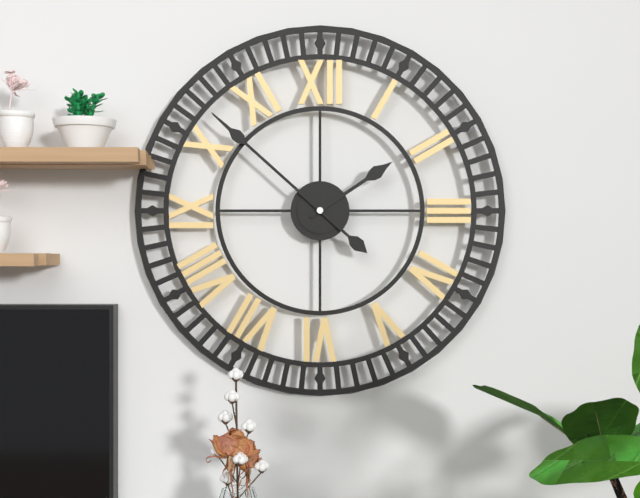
1:52
